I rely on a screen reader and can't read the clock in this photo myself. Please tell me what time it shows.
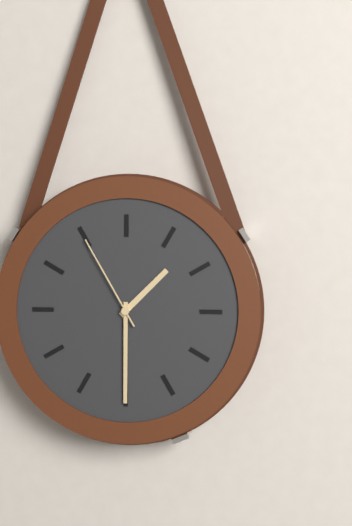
1:30:55
